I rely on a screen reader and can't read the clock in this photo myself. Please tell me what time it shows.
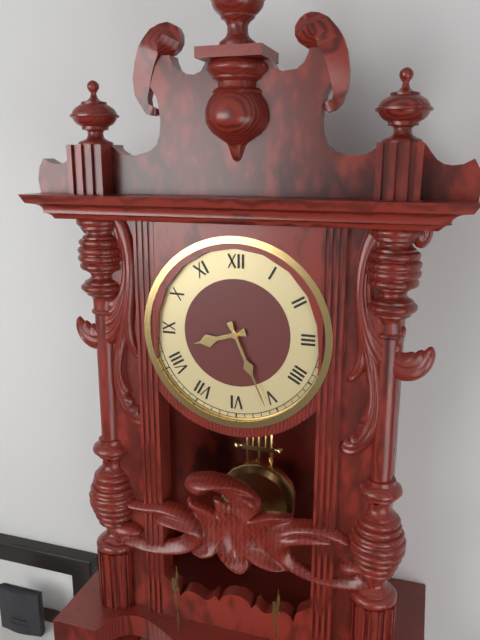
8:26
